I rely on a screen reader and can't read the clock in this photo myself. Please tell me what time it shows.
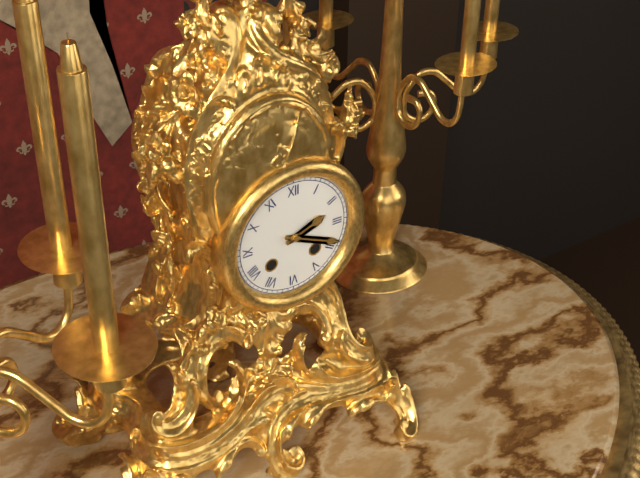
2:19
